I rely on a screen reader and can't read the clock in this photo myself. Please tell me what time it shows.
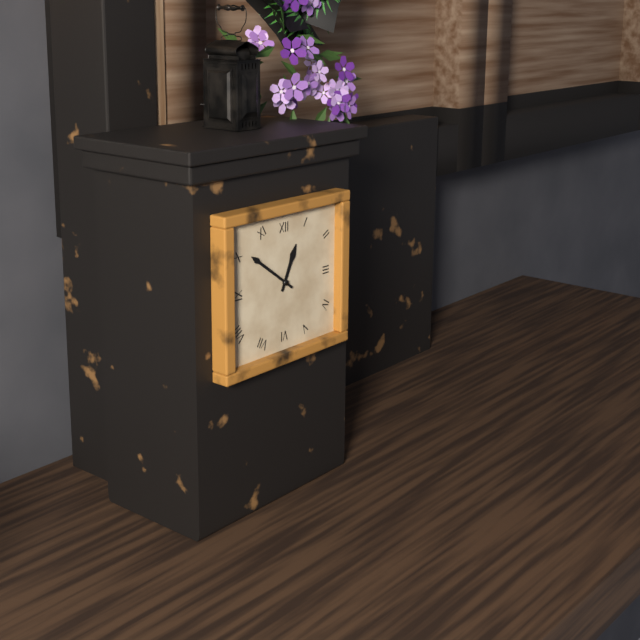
12:51
